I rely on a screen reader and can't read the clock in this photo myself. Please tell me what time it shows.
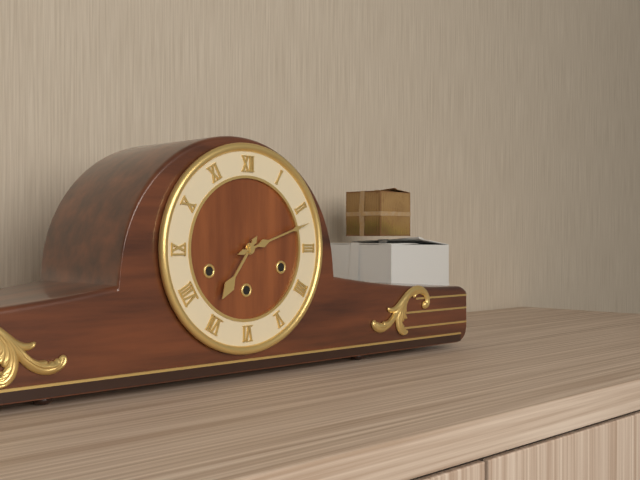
7:12
